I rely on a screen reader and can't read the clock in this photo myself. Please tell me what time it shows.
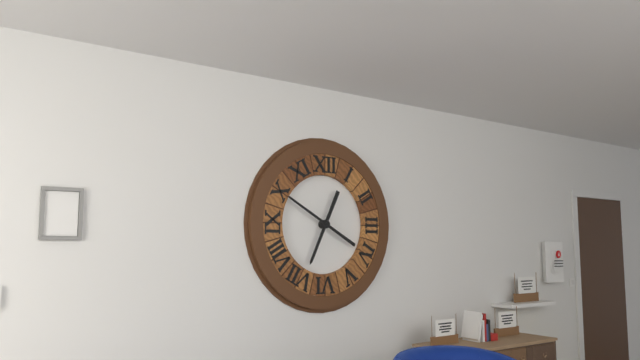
6:50
